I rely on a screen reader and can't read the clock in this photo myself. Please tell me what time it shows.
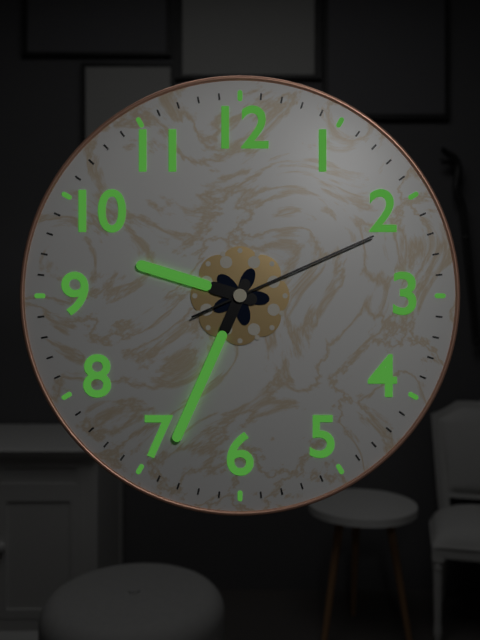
9:34:11
